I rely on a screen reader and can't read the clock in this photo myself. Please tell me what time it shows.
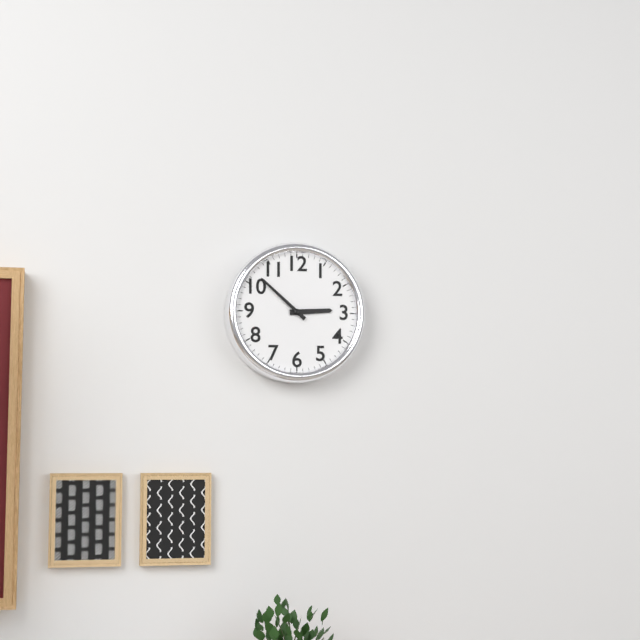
2:52
